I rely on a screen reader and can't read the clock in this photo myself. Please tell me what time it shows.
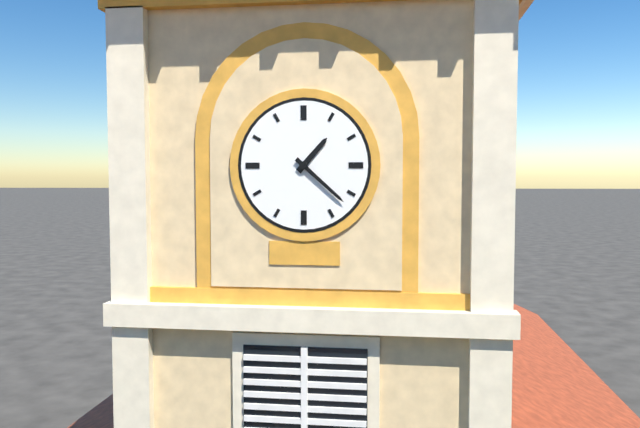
1:22
